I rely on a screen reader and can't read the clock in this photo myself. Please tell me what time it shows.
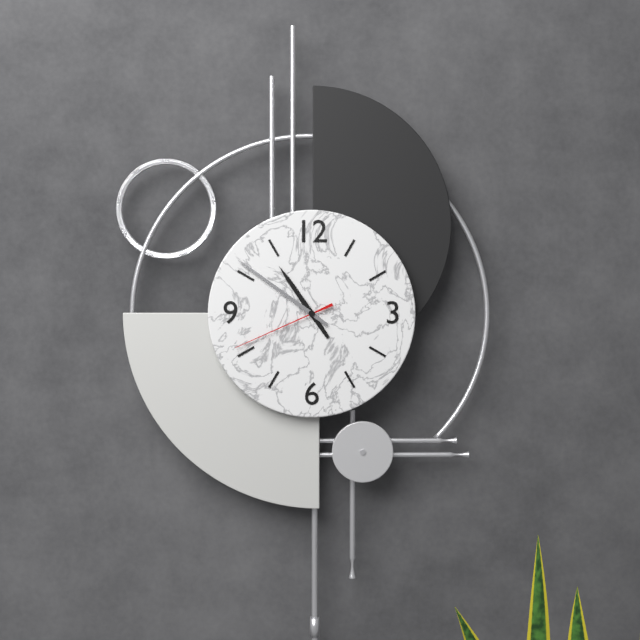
10:51:41
